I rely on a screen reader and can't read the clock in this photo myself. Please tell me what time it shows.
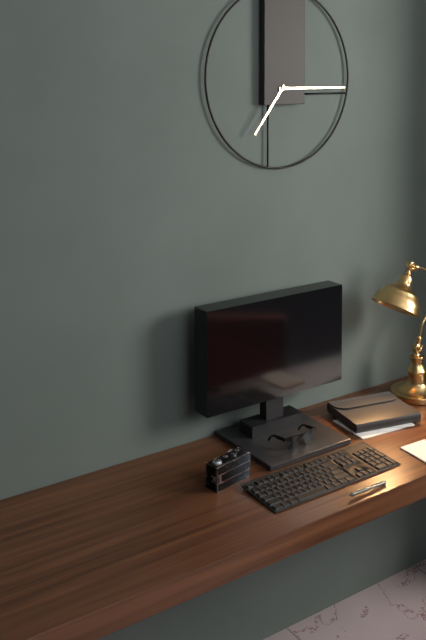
7:15
